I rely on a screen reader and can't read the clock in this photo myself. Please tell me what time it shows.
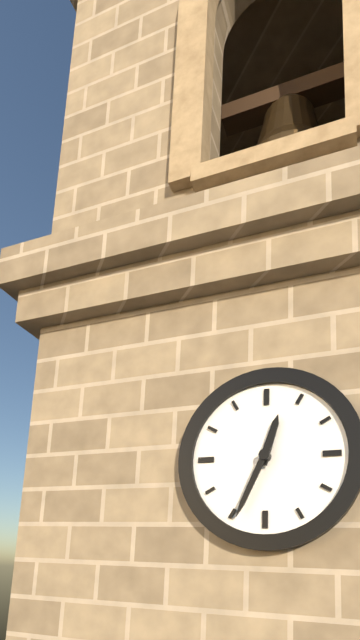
12:34
